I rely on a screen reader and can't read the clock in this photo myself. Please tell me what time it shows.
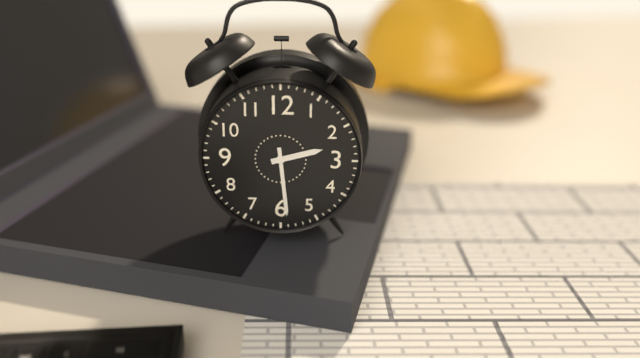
2:29
